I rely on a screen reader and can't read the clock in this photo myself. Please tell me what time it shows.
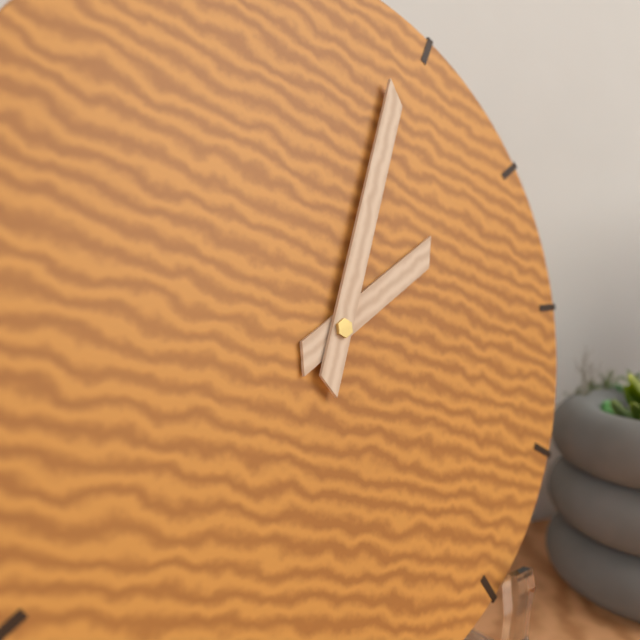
2:04
